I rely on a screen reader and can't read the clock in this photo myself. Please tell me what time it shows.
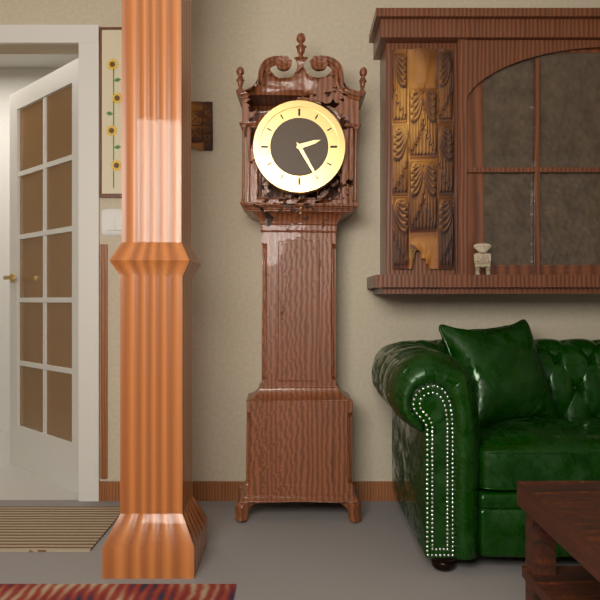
2:25
